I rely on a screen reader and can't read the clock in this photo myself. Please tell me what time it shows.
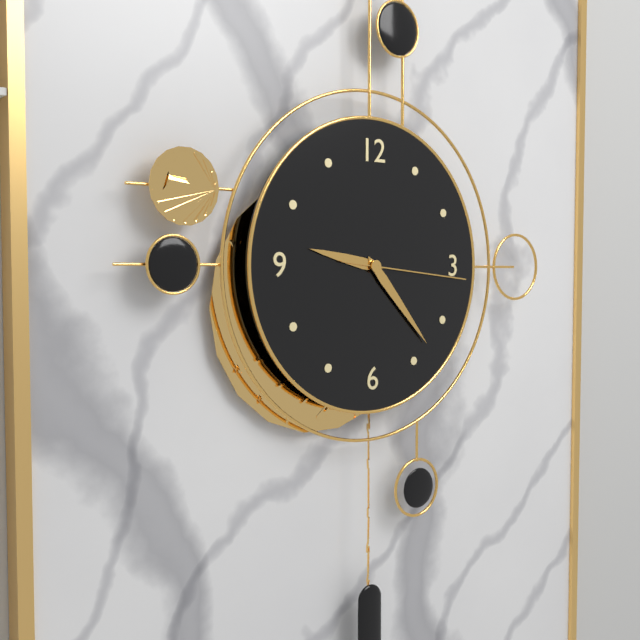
9:23:16
